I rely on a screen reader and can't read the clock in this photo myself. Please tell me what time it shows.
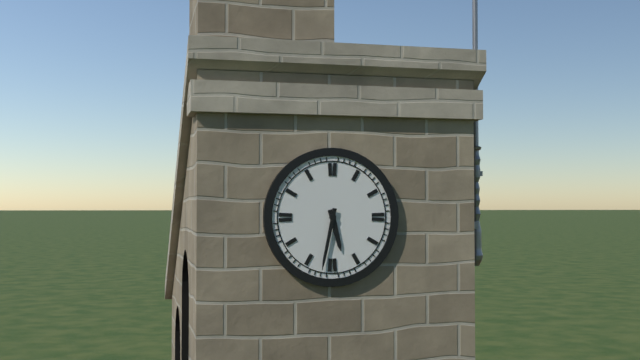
5:32
